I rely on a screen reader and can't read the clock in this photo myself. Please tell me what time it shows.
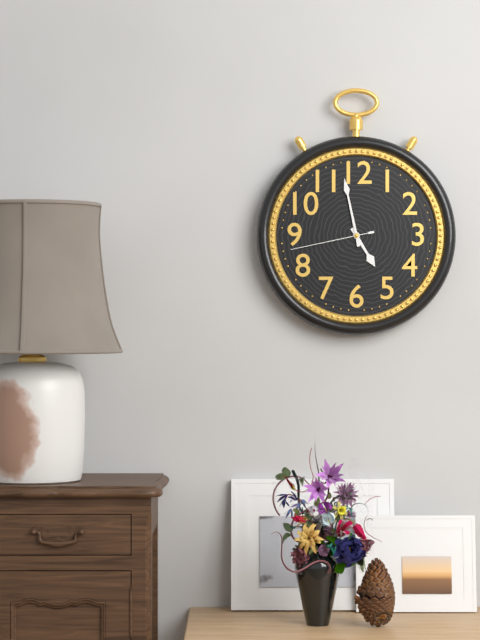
4:58:43
